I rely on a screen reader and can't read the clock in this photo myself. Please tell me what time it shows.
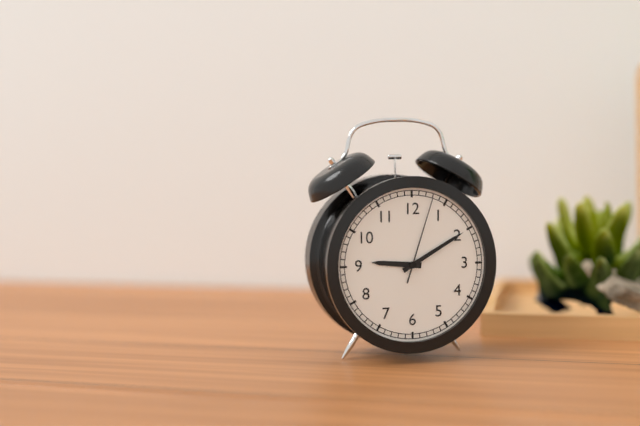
9:10:03
